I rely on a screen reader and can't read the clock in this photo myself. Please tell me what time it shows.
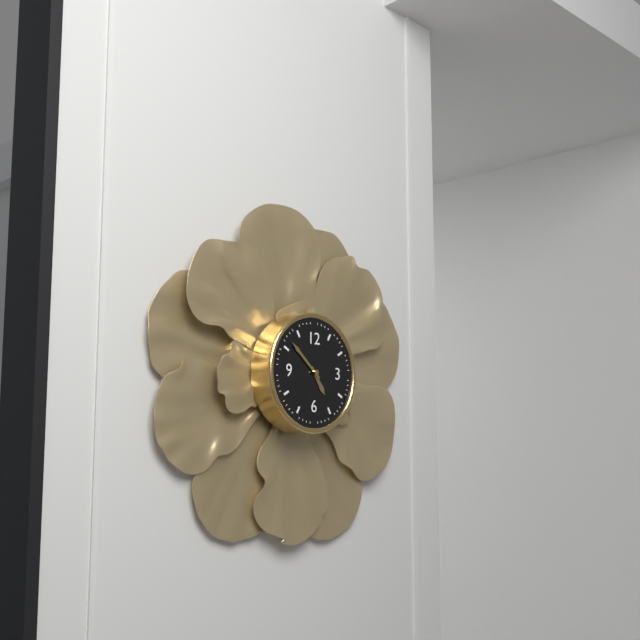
4:52
